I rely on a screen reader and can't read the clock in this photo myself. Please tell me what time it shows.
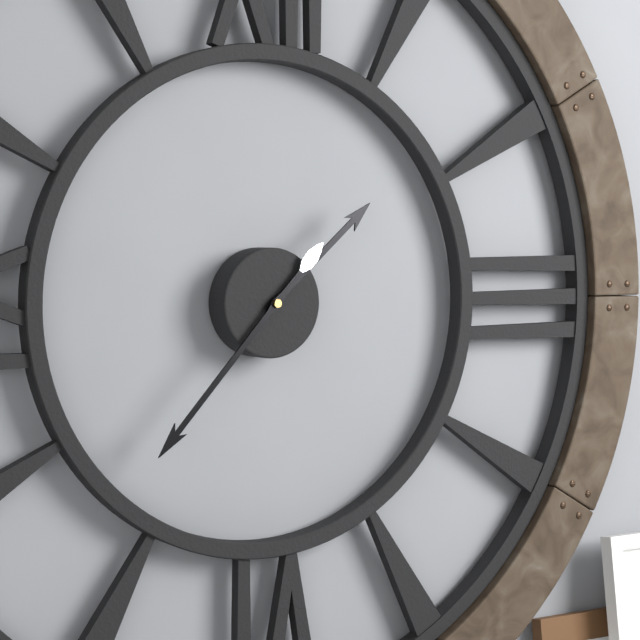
1:37
